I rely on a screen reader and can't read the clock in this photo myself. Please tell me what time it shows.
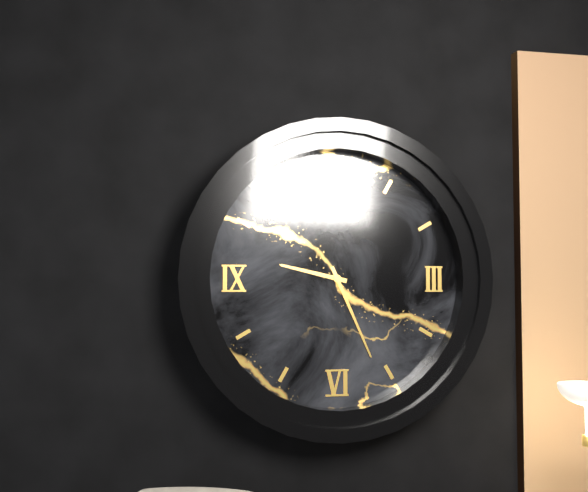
9:26
